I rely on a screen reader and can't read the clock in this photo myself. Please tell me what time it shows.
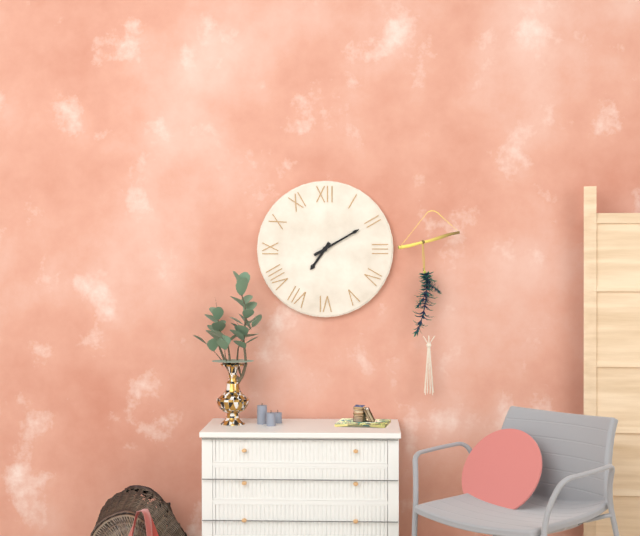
7:10
